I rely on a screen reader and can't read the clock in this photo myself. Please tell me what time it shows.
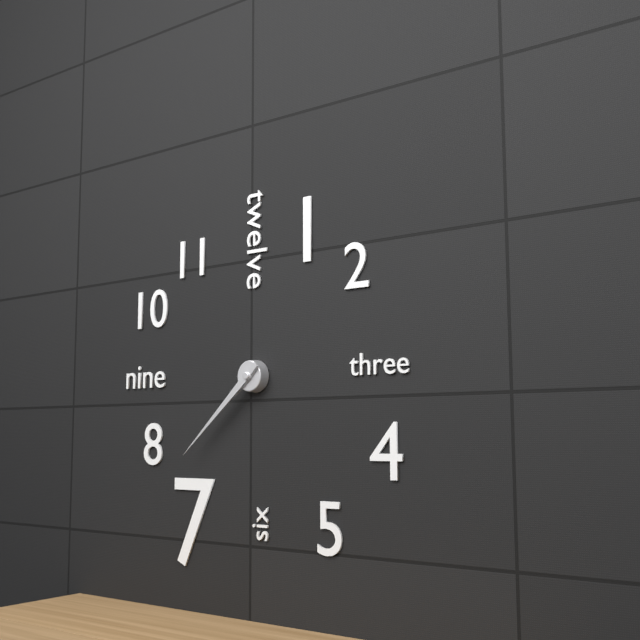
7:38
